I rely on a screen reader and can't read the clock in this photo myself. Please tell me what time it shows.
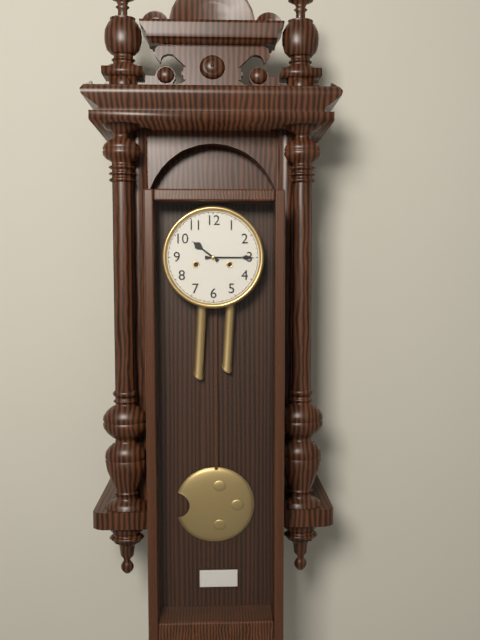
10:15
